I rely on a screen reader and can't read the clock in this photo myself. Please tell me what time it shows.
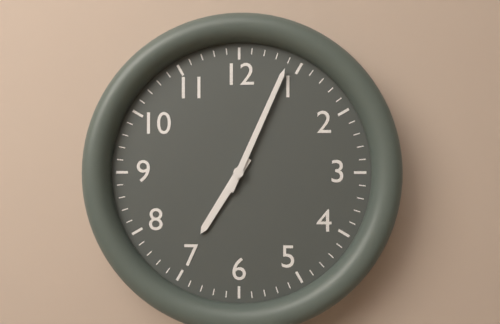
7:04
